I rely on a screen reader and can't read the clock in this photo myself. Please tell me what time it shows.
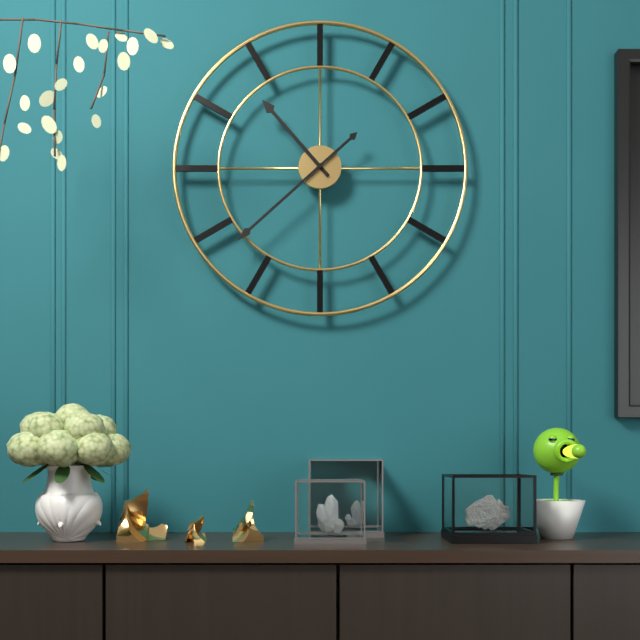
10:38
